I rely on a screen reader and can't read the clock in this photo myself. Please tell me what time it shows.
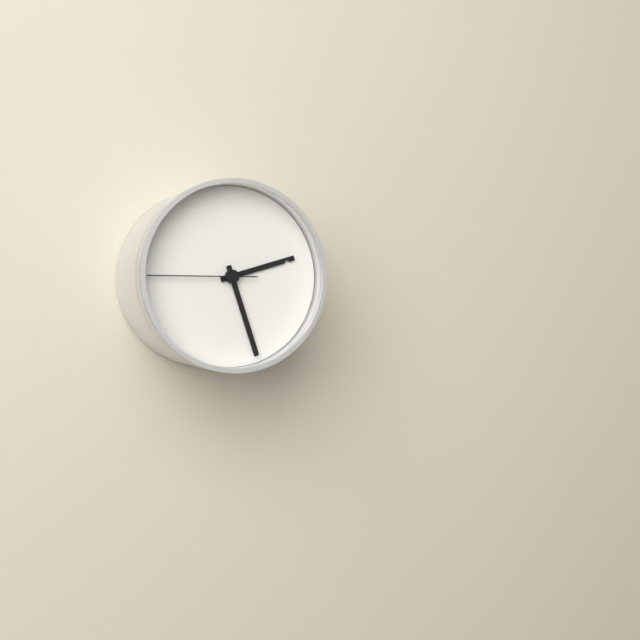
2:27:45
